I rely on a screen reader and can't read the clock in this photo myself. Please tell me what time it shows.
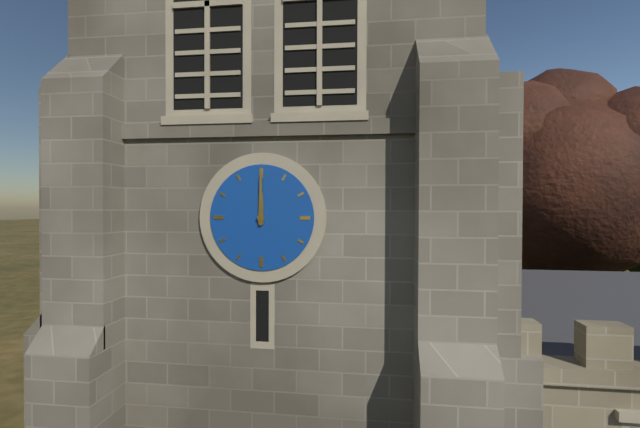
12:00
